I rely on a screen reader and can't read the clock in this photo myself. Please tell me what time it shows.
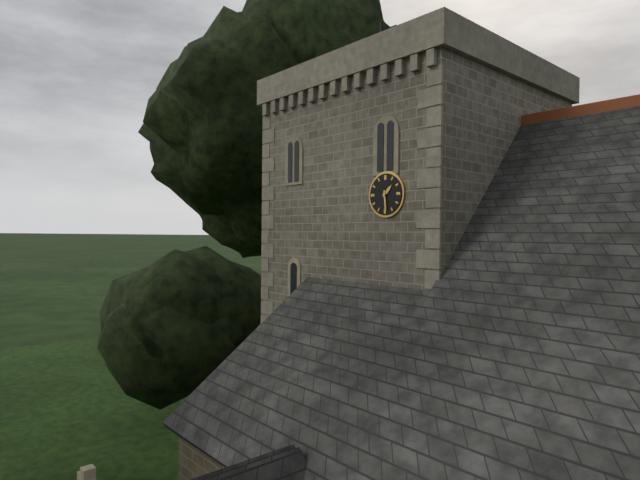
1:29
